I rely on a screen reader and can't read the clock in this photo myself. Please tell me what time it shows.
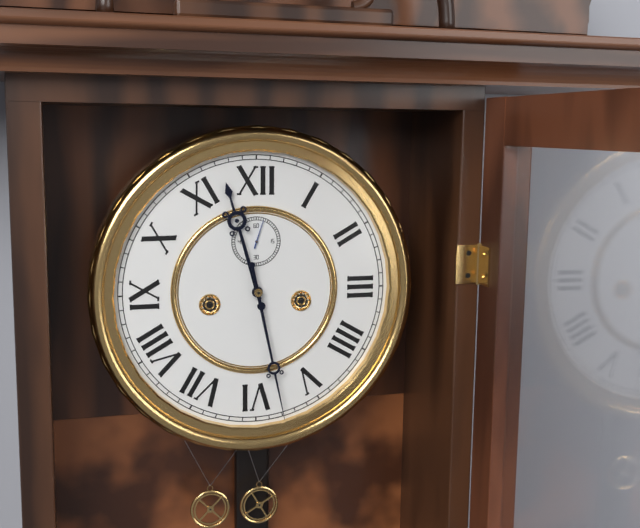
11:28
